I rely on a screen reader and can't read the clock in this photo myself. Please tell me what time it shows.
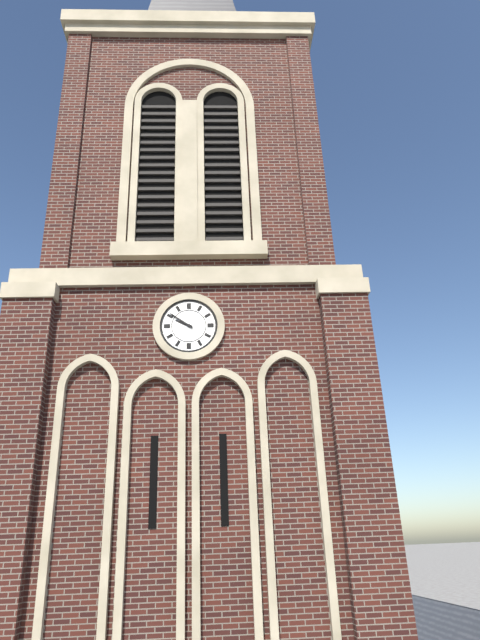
9:51
